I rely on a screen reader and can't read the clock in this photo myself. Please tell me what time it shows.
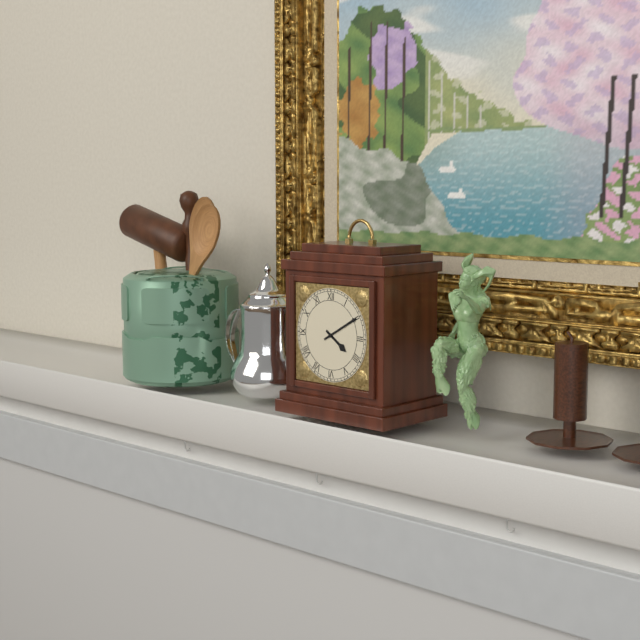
4:10
